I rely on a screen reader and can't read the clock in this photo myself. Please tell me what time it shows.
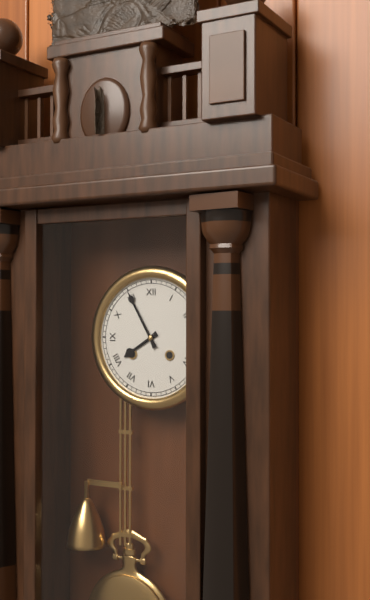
7:55
